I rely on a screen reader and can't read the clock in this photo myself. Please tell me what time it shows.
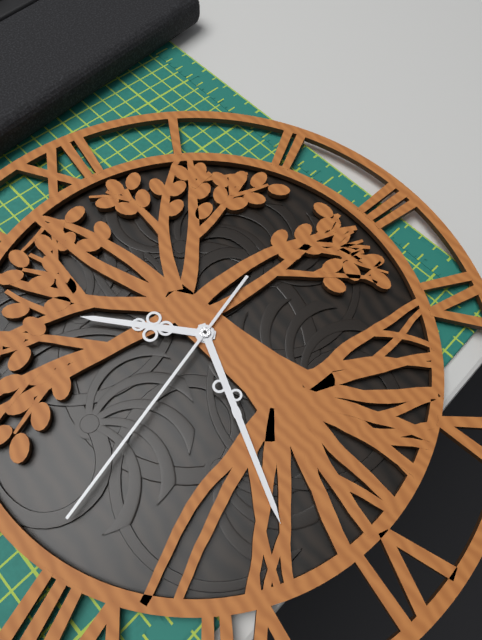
10:33:42
